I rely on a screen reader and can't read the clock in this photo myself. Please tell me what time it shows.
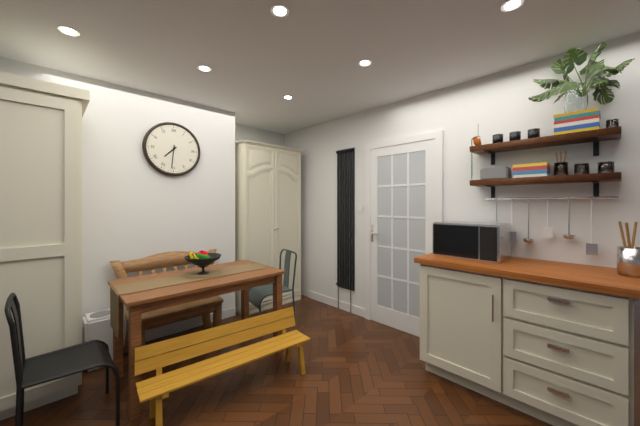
7:31
